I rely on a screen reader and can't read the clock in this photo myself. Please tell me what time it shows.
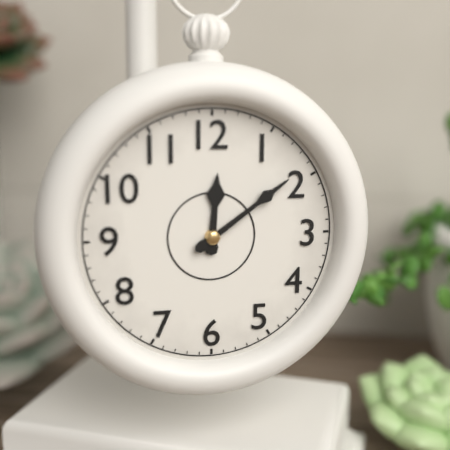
12:09
